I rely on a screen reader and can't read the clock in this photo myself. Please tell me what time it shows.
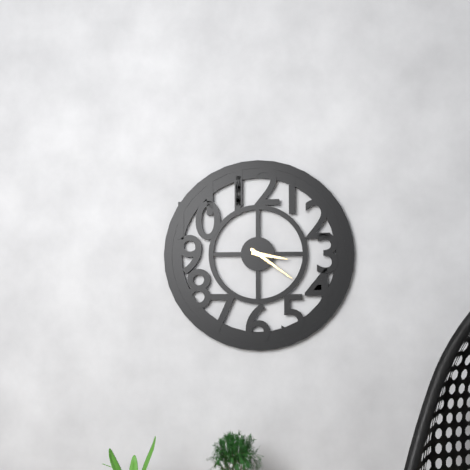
3:21
